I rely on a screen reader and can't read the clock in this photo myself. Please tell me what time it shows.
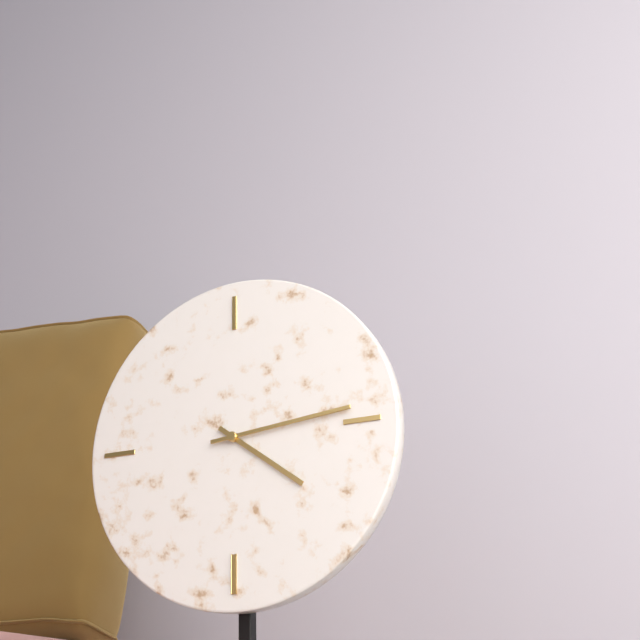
4:14
